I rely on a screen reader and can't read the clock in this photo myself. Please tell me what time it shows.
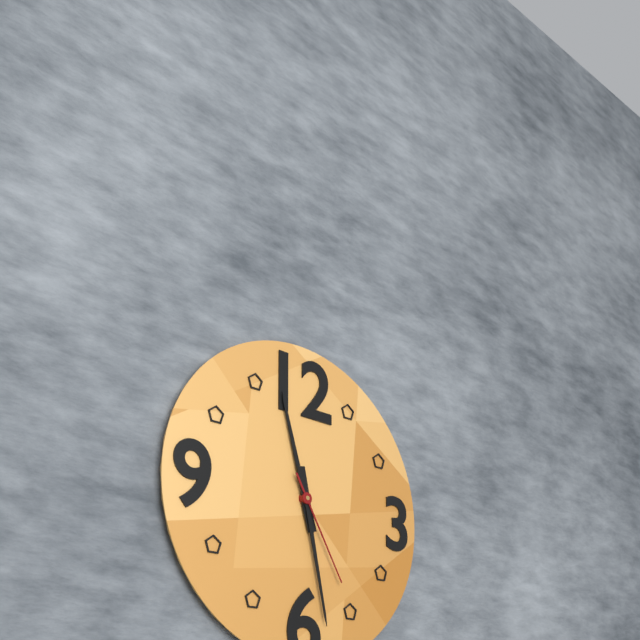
11:28:25
